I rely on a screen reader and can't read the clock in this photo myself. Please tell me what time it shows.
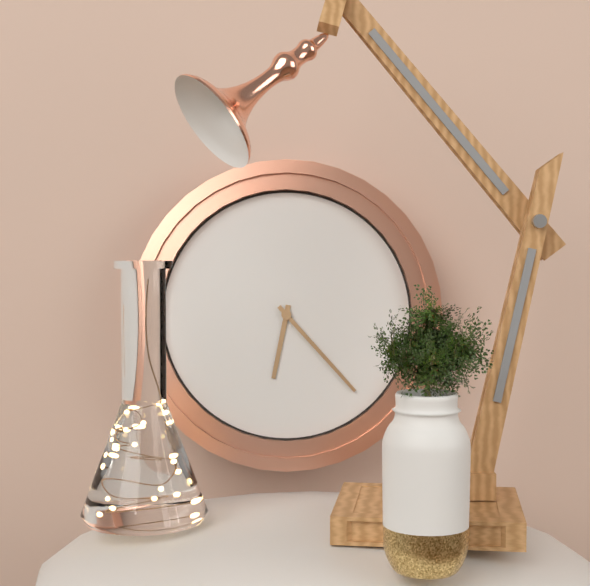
6:23
